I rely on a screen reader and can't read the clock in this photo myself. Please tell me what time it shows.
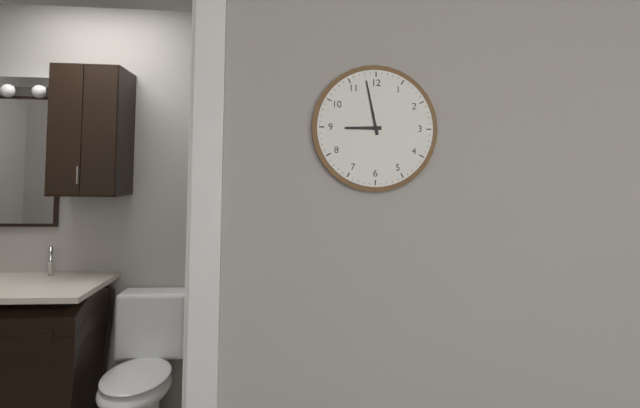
8:58
